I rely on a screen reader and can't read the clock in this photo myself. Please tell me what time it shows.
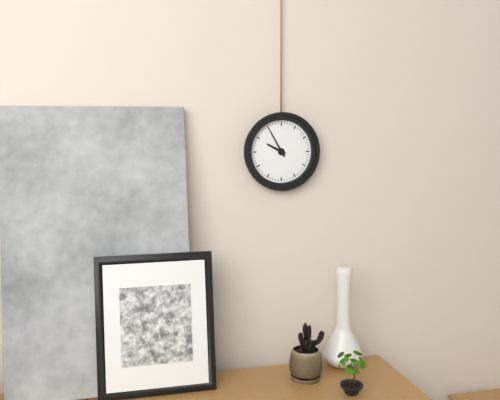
9:55
